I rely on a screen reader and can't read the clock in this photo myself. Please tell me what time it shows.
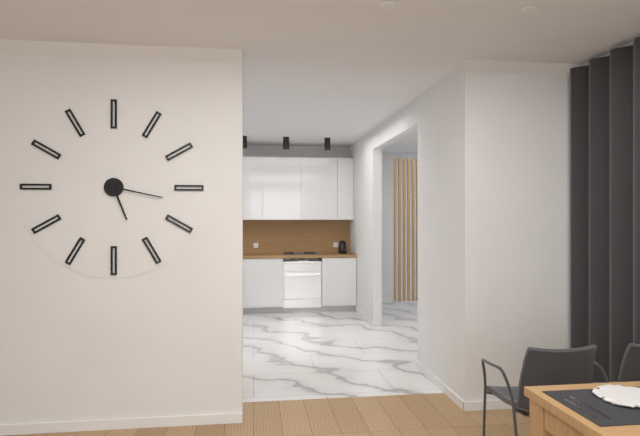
5:17
